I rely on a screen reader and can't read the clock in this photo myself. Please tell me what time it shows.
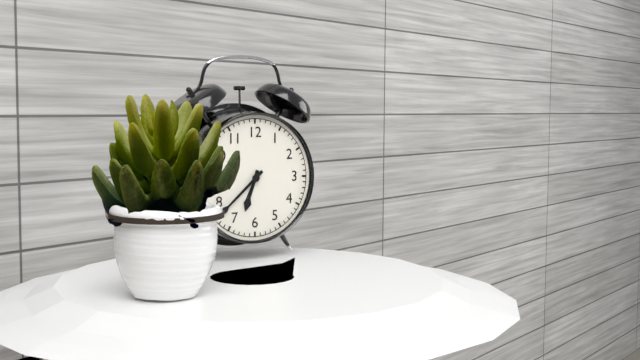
6:38
